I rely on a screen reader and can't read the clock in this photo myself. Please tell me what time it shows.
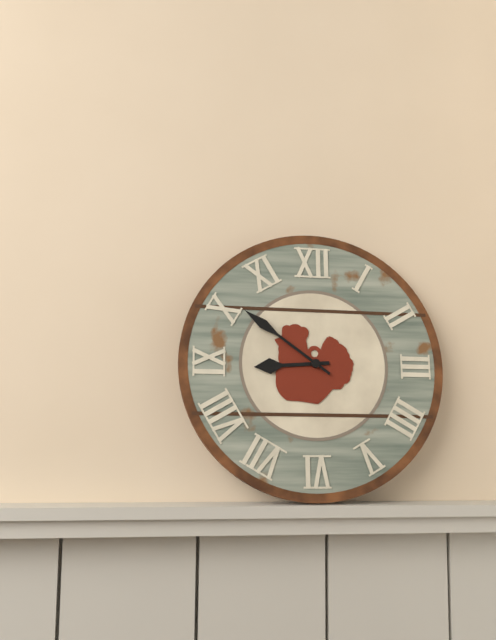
8:51
